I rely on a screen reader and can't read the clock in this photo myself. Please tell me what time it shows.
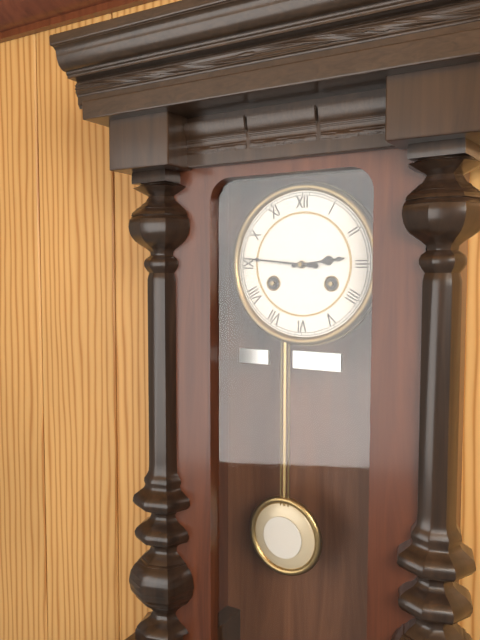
2:46
